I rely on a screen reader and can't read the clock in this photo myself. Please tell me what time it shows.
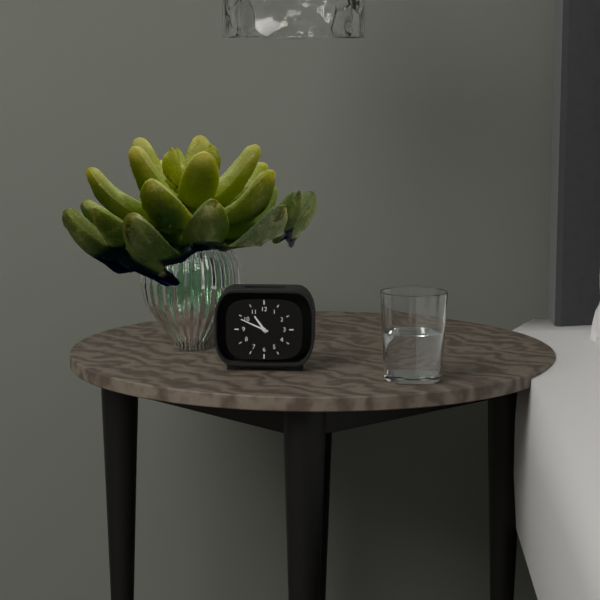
10:49
